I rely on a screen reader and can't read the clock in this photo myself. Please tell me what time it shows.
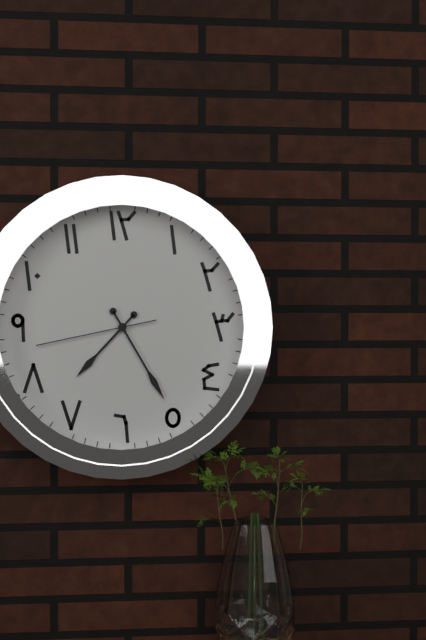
7:25:43
